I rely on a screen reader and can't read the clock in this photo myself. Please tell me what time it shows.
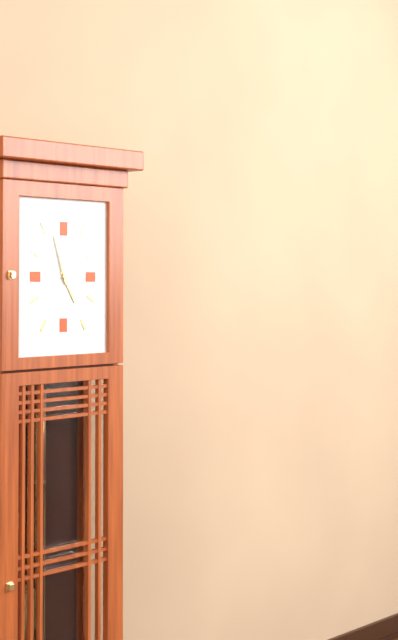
4:57
